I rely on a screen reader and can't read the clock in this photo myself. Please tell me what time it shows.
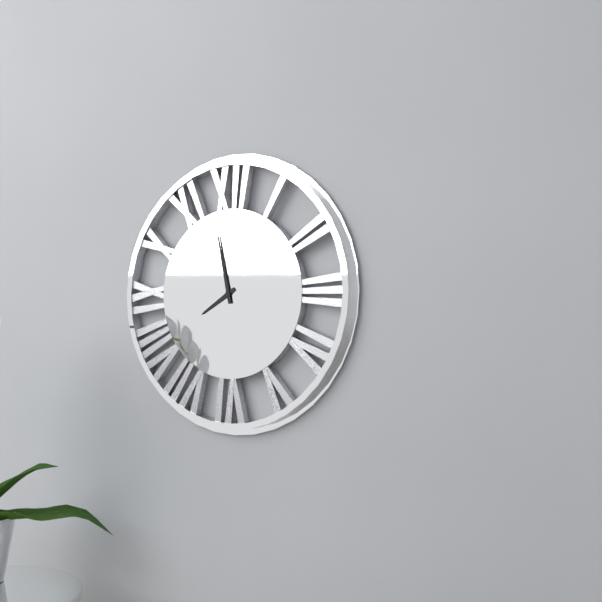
7:58
